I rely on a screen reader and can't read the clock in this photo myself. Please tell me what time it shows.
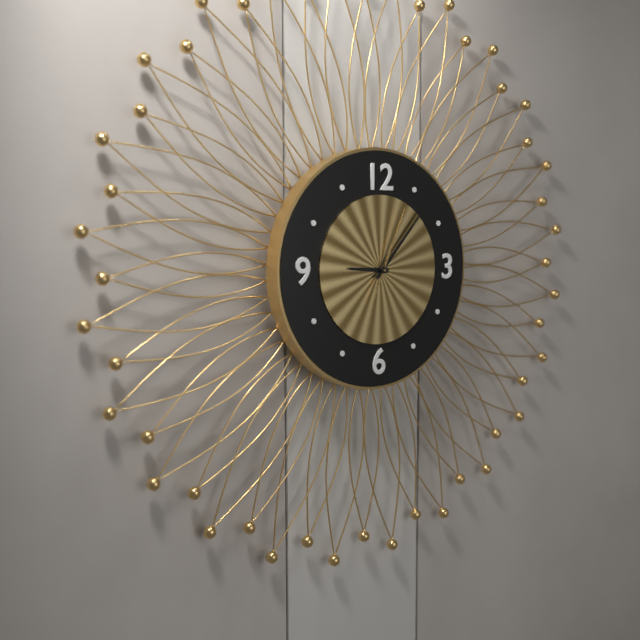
9:07:04
